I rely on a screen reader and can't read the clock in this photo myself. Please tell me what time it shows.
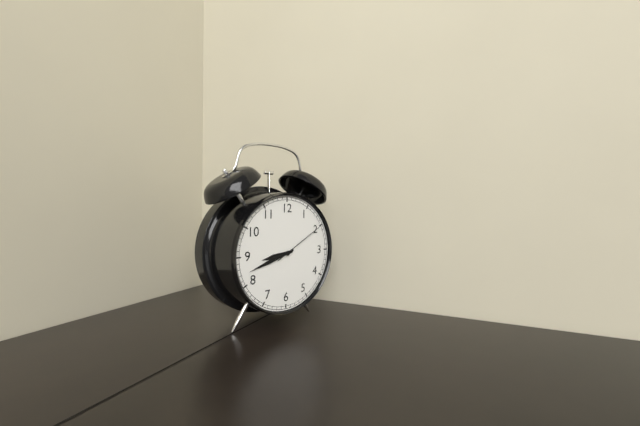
8:42:10
